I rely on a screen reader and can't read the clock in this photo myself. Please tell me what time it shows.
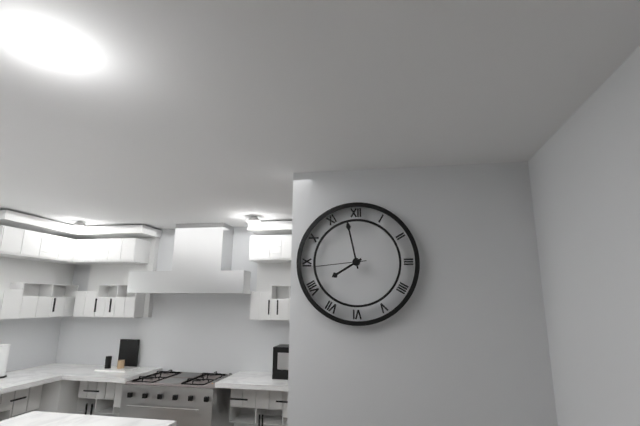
7:58:44
